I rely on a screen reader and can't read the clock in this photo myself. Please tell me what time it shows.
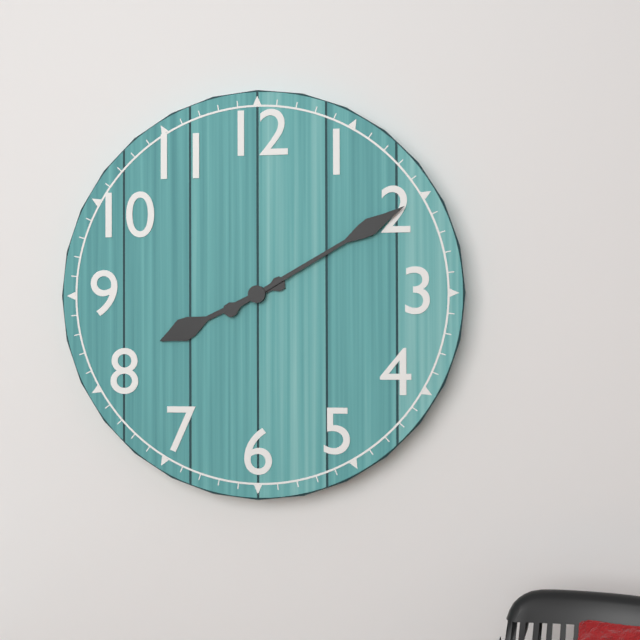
8:10
